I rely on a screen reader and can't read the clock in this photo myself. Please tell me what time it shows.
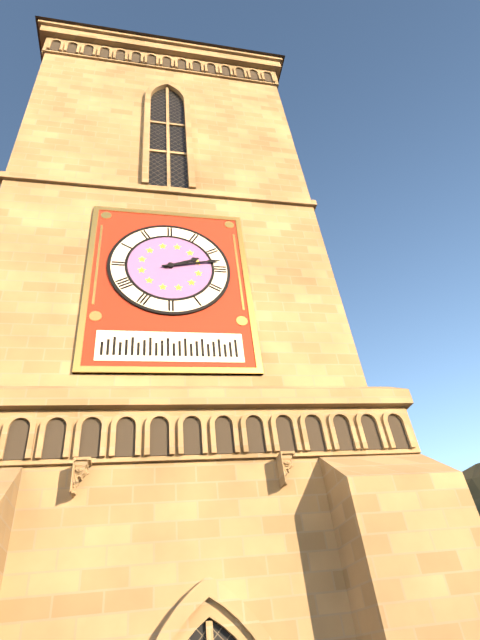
2:13
